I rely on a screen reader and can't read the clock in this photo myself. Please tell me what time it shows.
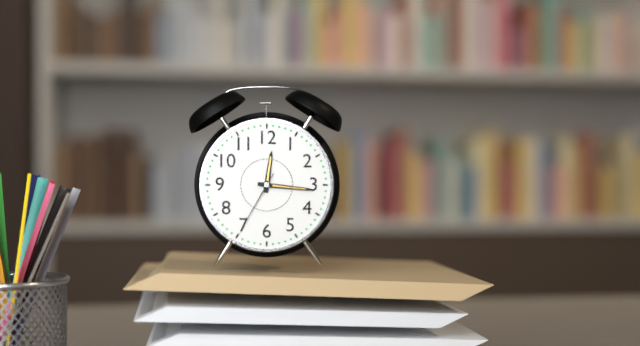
12:16:35
